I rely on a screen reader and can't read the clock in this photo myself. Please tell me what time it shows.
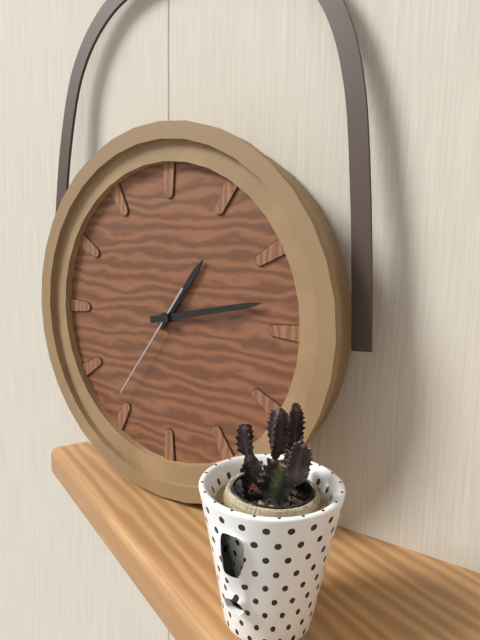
1:13:36
